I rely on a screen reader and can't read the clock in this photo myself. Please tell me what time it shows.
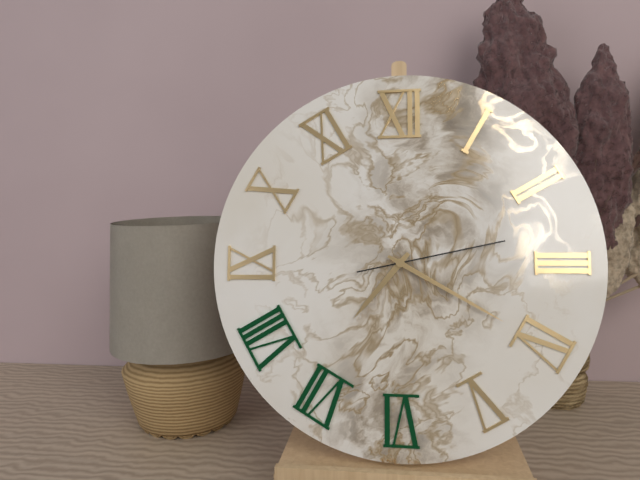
7:20:13
